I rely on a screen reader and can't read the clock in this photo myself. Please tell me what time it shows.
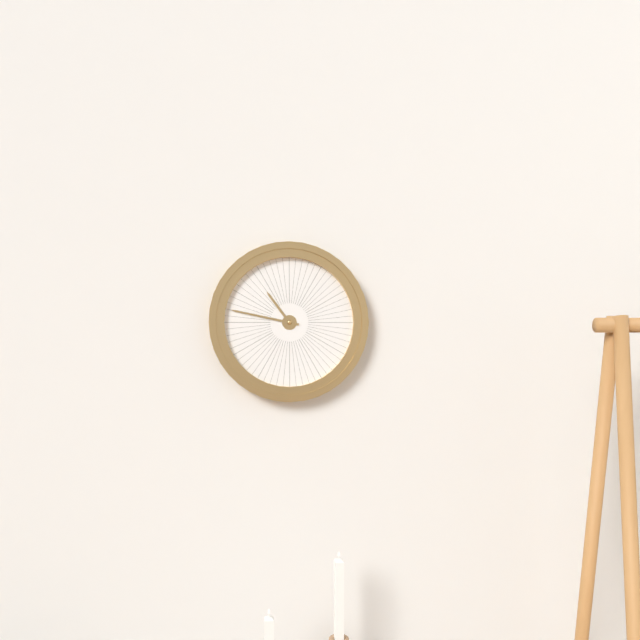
10:47
